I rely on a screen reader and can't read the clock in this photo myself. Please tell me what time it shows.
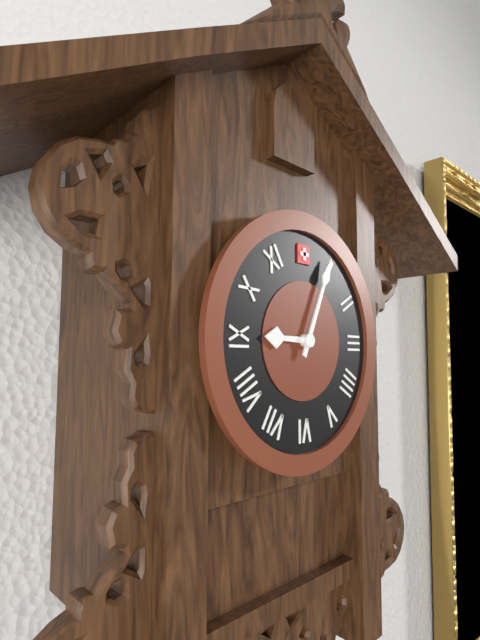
9:04
